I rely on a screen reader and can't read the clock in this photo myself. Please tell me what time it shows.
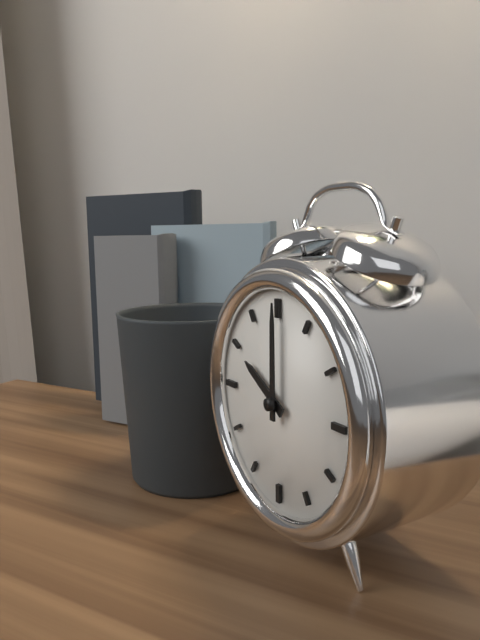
10:00
